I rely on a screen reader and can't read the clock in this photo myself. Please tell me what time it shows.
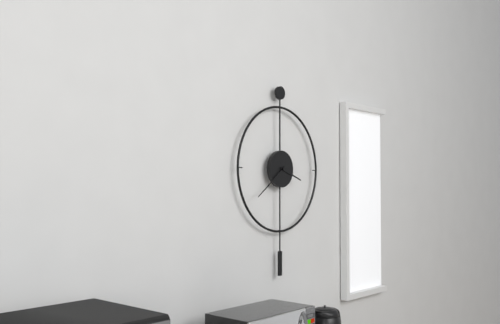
3:39
